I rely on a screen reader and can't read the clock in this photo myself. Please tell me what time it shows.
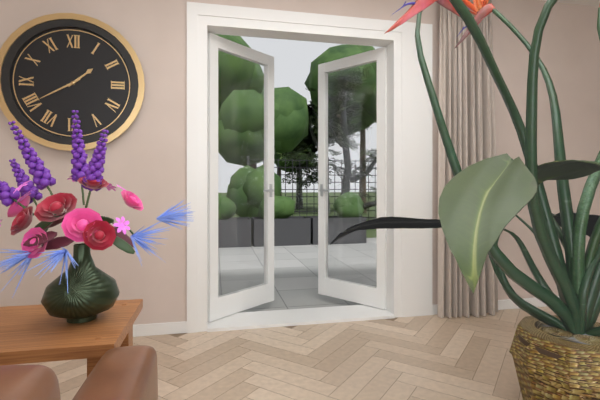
1:40
